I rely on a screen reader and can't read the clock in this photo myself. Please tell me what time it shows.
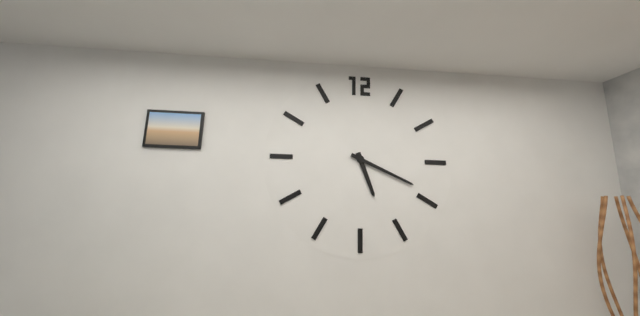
5:19
